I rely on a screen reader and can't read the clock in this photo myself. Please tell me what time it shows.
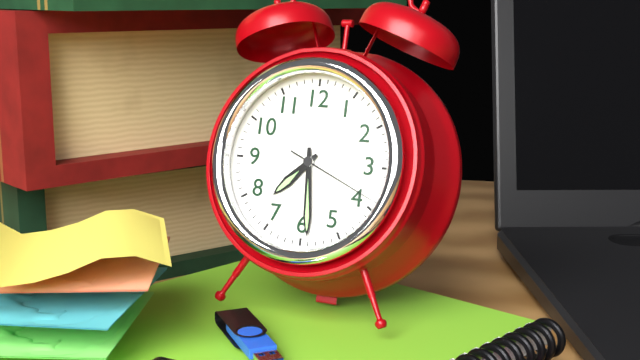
7:29:19
